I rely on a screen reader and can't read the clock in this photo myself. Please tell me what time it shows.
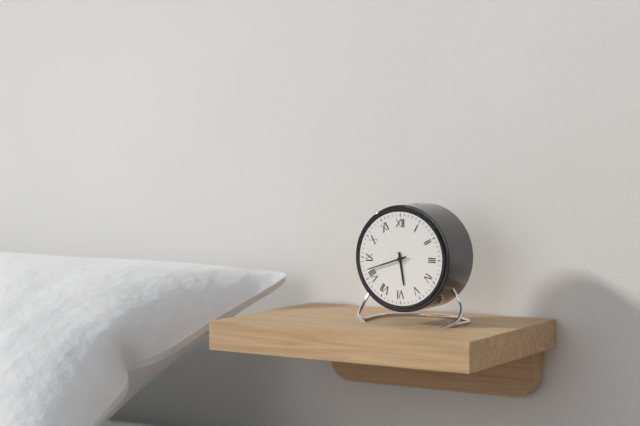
5:42
